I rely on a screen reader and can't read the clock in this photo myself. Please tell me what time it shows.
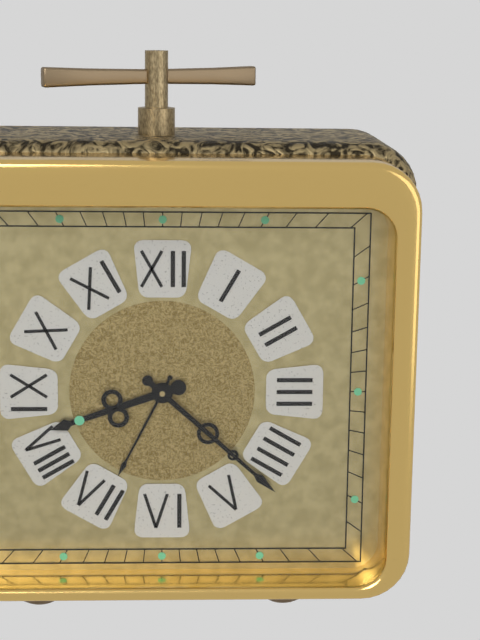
8:22
